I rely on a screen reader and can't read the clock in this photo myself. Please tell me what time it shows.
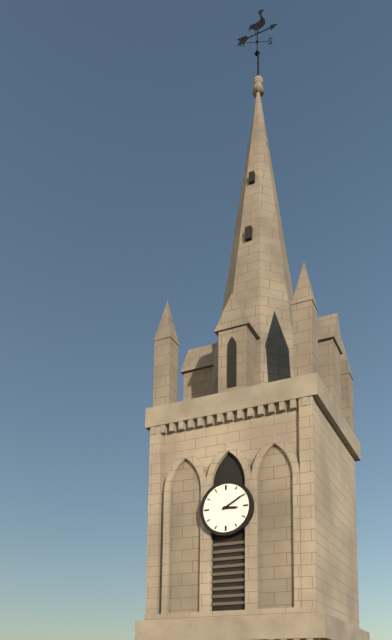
3:10
